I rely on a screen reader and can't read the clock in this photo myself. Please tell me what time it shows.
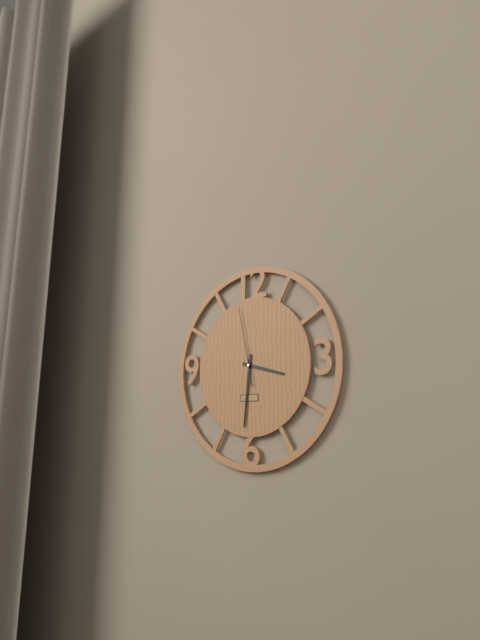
3:31:58
